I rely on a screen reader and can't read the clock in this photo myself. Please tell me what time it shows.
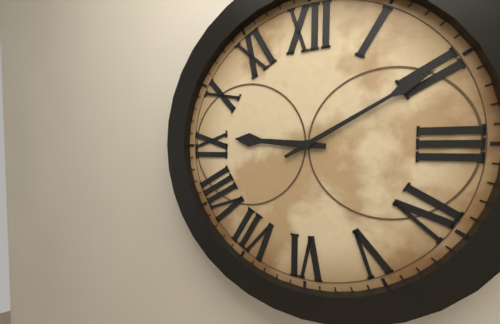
9:10
